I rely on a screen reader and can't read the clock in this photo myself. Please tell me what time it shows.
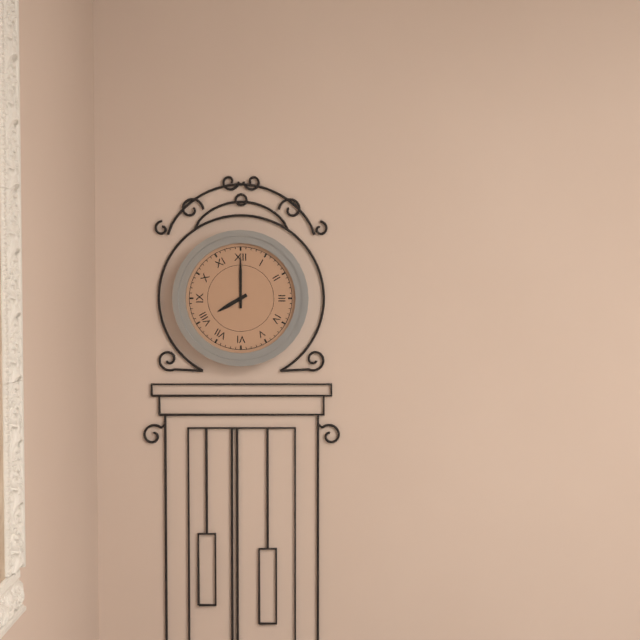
8:00
